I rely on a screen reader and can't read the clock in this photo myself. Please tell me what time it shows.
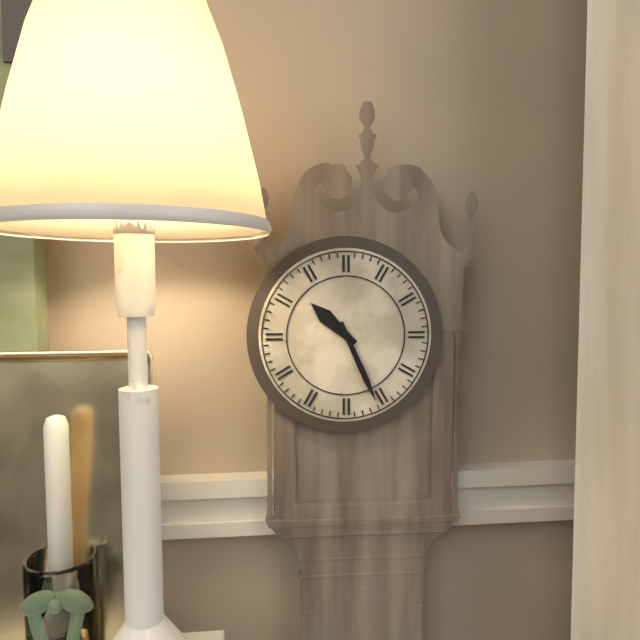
10:26
